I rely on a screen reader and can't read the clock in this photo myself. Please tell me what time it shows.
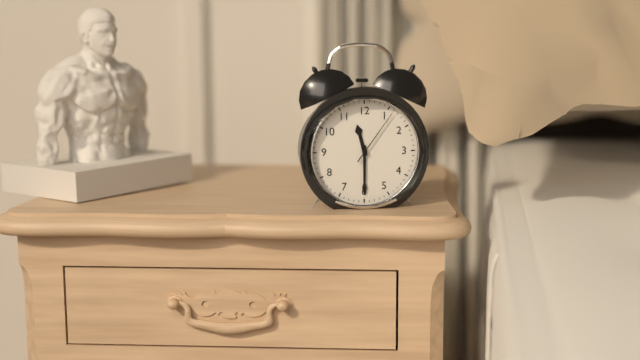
11:30:06
